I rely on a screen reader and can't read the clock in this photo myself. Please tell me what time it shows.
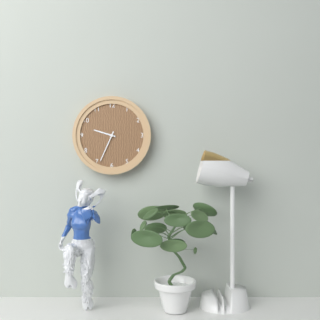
9:34
